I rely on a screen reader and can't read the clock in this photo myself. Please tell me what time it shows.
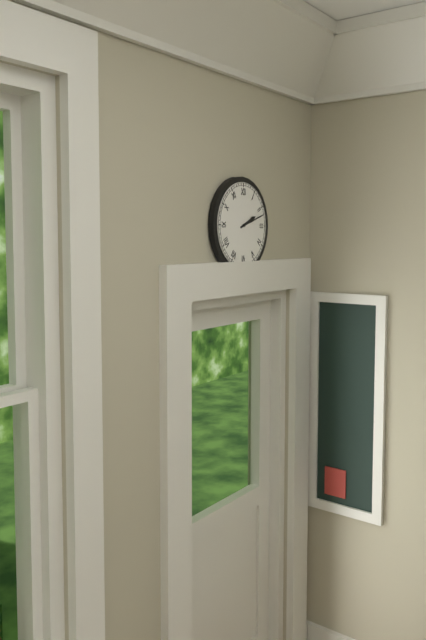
2:12
